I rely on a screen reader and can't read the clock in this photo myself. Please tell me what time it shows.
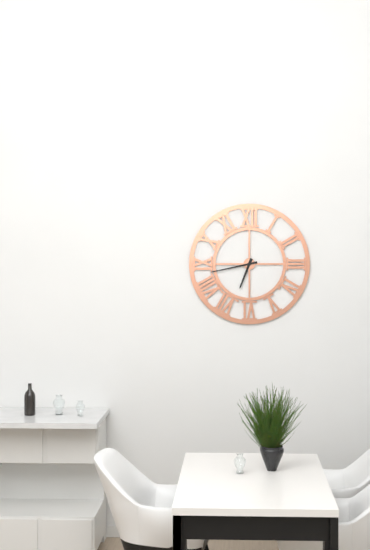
6:43
